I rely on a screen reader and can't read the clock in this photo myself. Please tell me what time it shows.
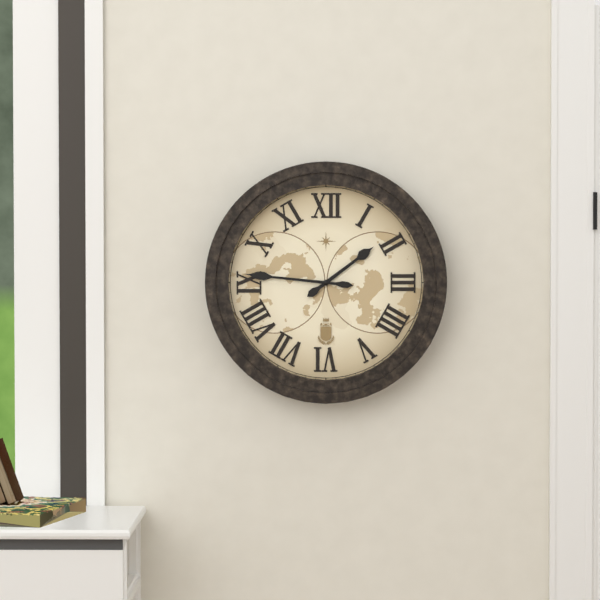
1:46
